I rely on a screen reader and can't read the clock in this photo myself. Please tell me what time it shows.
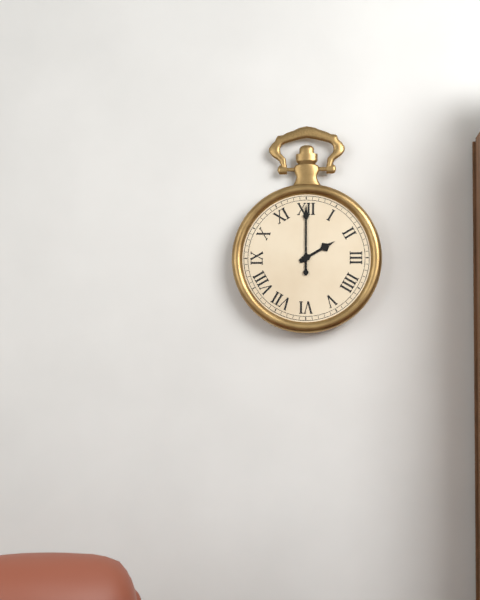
2:00
